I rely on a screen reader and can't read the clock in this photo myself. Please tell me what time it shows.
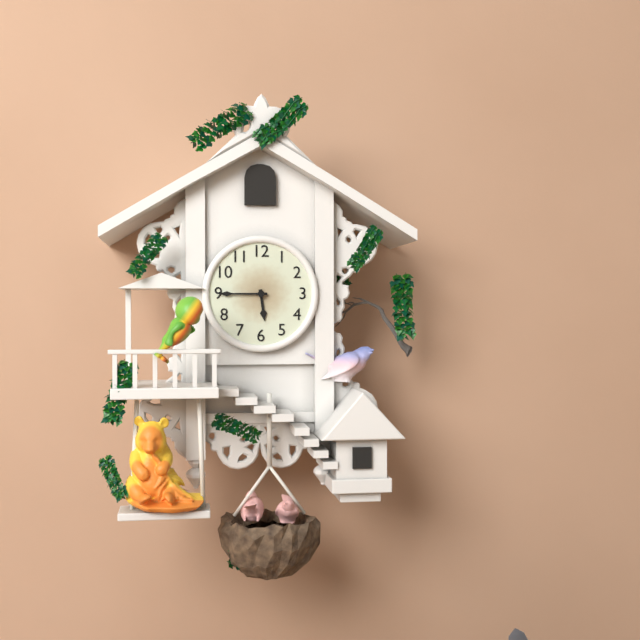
5:45
